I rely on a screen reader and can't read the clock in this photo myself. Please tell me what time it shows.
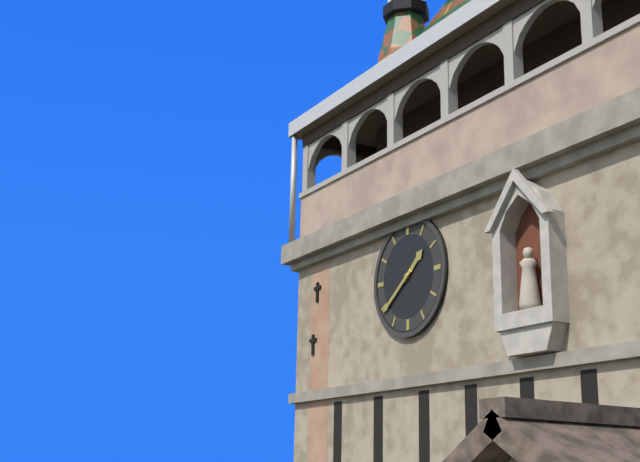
1:39
